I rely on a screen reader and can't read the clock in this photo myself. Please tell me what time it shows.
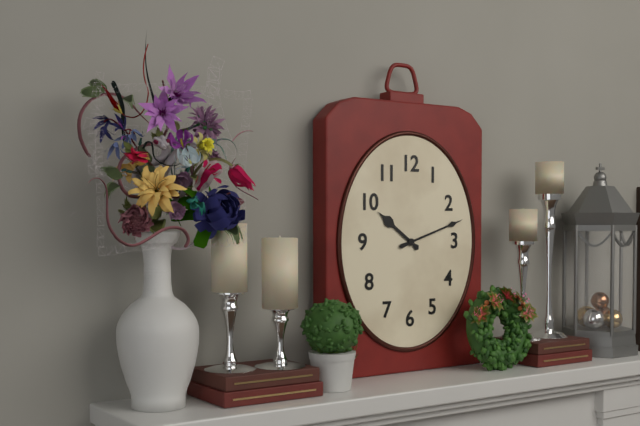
10:12
